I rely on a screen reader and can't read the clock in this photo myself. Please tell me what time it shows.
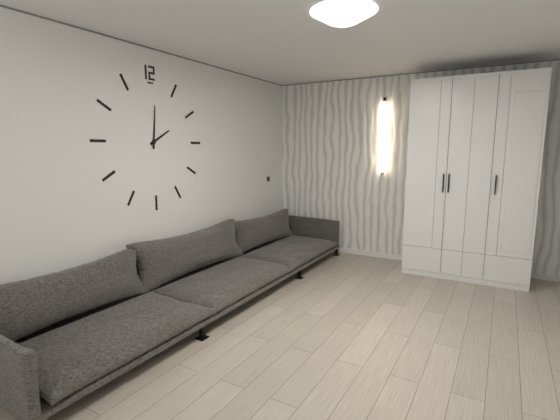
2:01
